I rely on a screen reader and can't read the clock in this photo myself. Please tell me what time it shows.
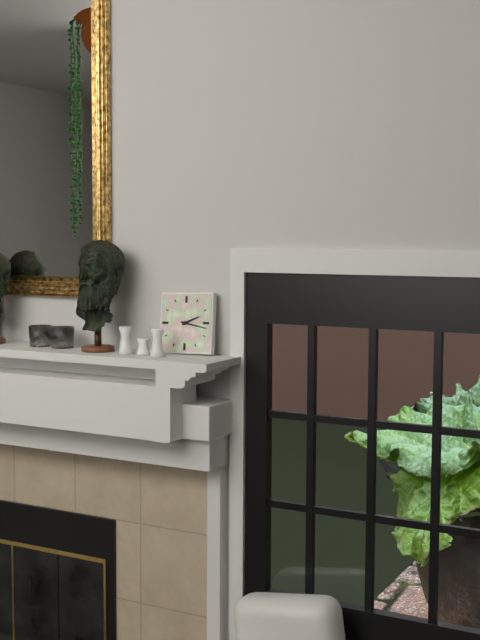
2:17
